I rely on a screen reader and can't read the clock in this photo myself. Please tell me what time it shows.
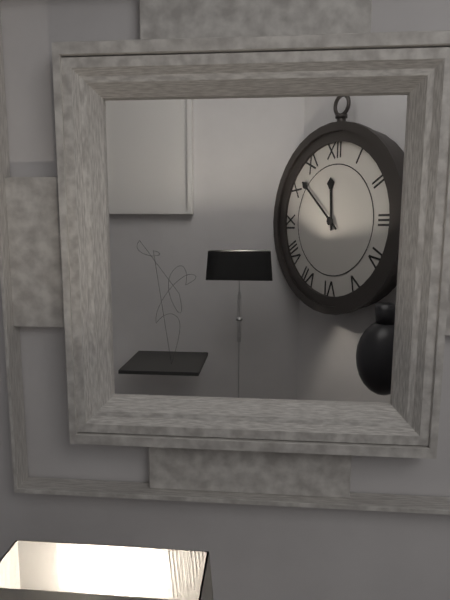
11:52
